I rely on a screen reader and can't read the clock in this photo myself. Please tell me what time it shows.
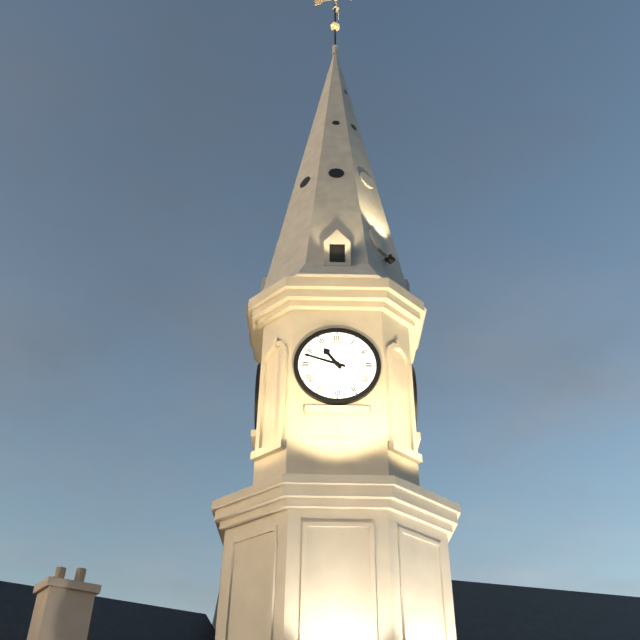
10:48
